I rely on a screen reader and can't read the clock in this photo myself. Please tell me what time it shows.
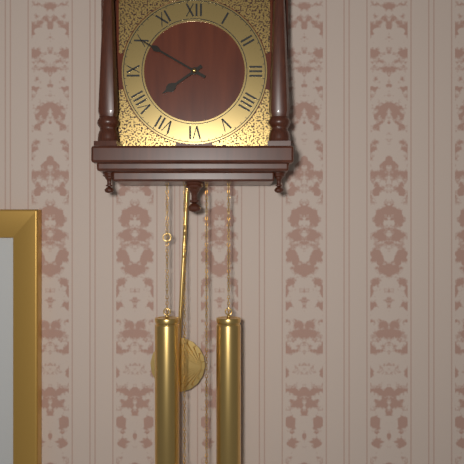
7:50
